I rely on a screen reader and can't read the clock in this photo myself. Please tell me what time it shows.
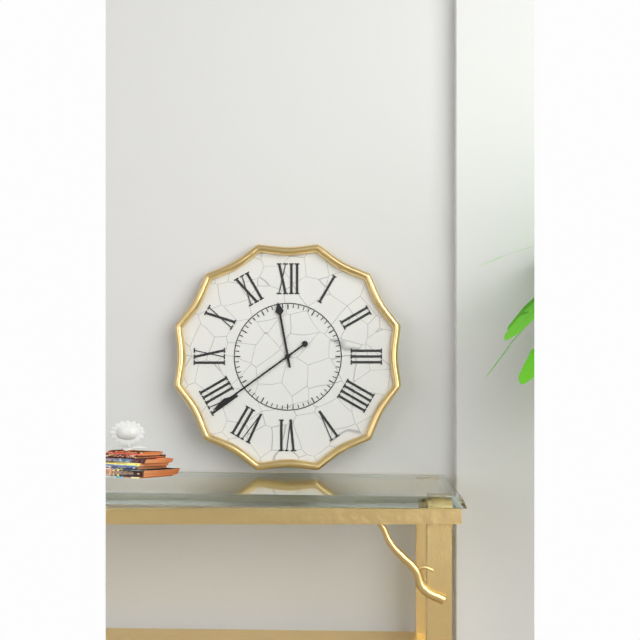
11:39
